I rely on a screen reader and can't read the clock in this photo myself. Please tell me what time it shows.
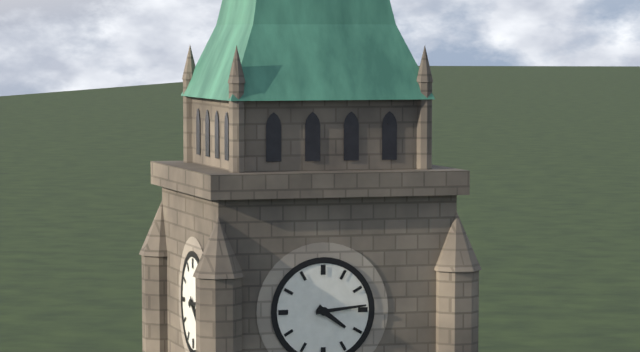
4:14
